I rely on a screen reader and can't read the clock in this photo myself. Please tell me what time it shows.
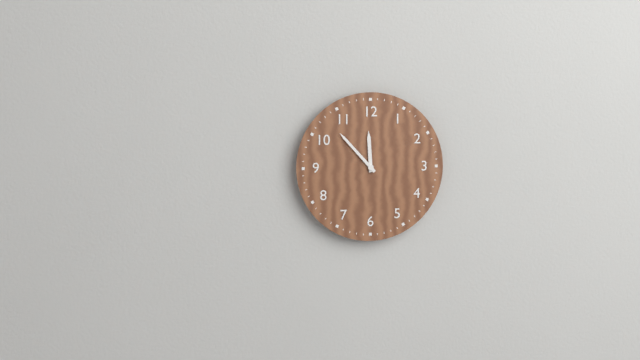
11:53
